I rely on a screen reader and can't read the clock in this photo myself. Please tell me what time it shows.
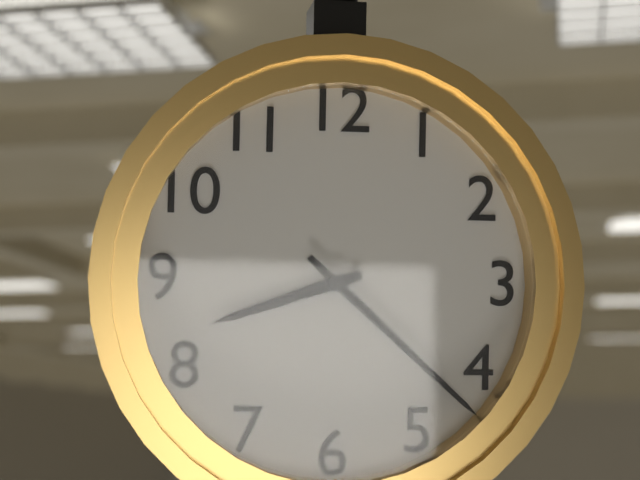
8:22
